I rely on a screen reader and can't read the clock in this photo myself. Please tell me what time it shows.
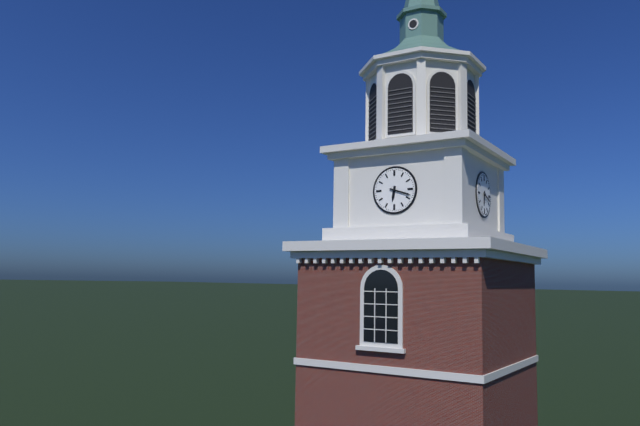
6:18
